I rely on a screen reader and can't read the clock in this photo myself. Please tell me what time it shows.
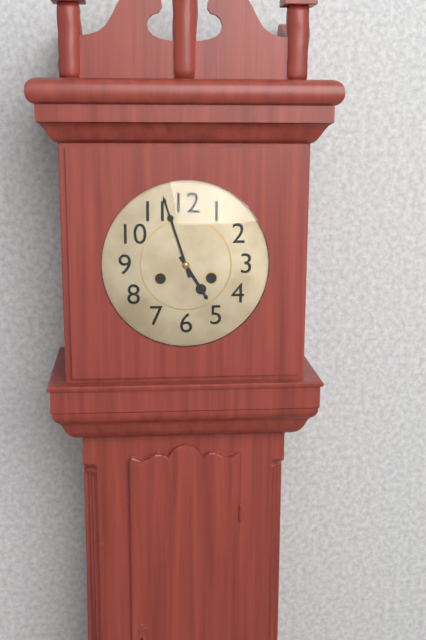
4:57
